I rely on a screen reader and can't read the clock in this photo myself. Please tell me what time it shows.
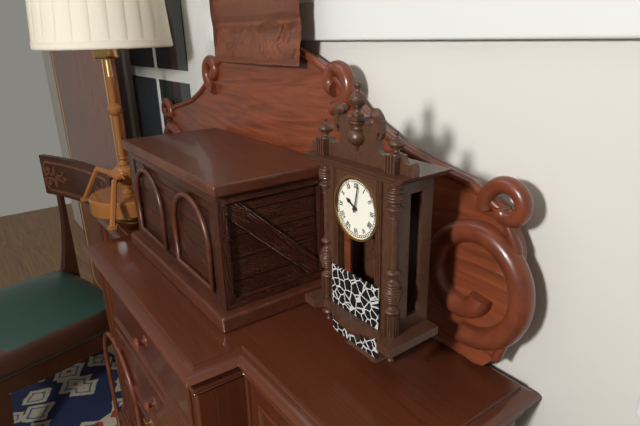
10:02
